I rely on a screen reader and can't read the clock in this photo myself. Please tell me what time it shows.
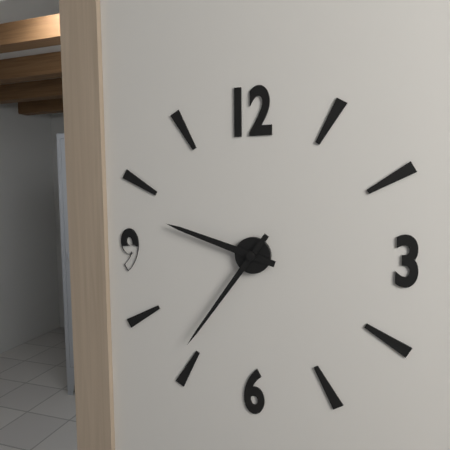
9:36
